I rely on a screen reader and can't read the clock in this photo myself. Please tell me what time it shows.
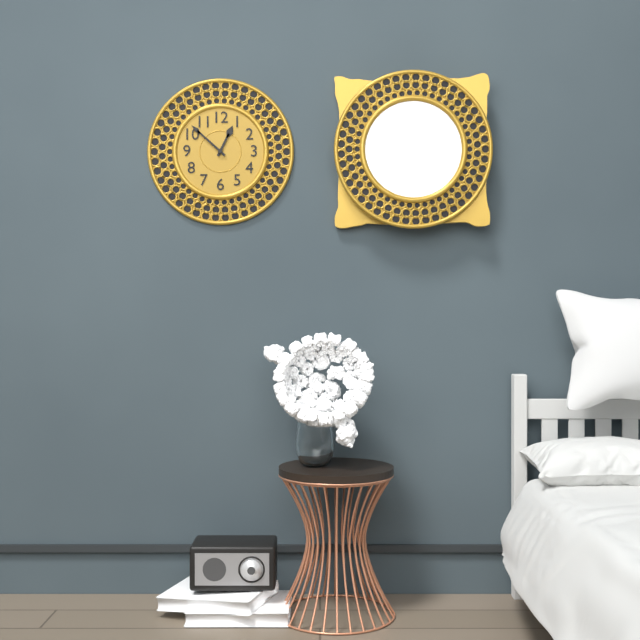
12:52
